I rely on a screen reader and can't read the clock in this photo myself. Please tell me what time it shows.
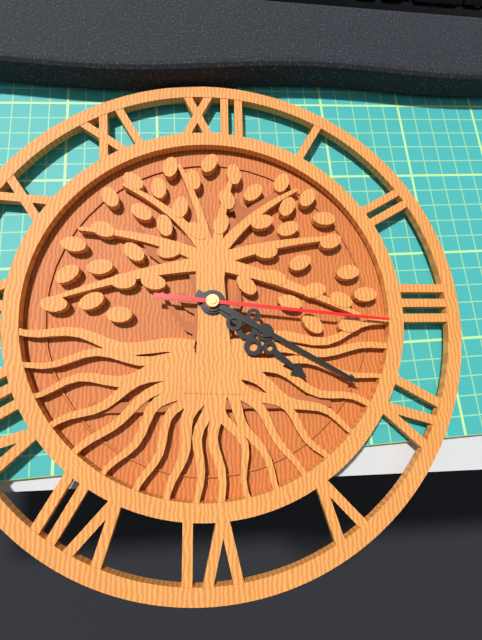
4:20:16
